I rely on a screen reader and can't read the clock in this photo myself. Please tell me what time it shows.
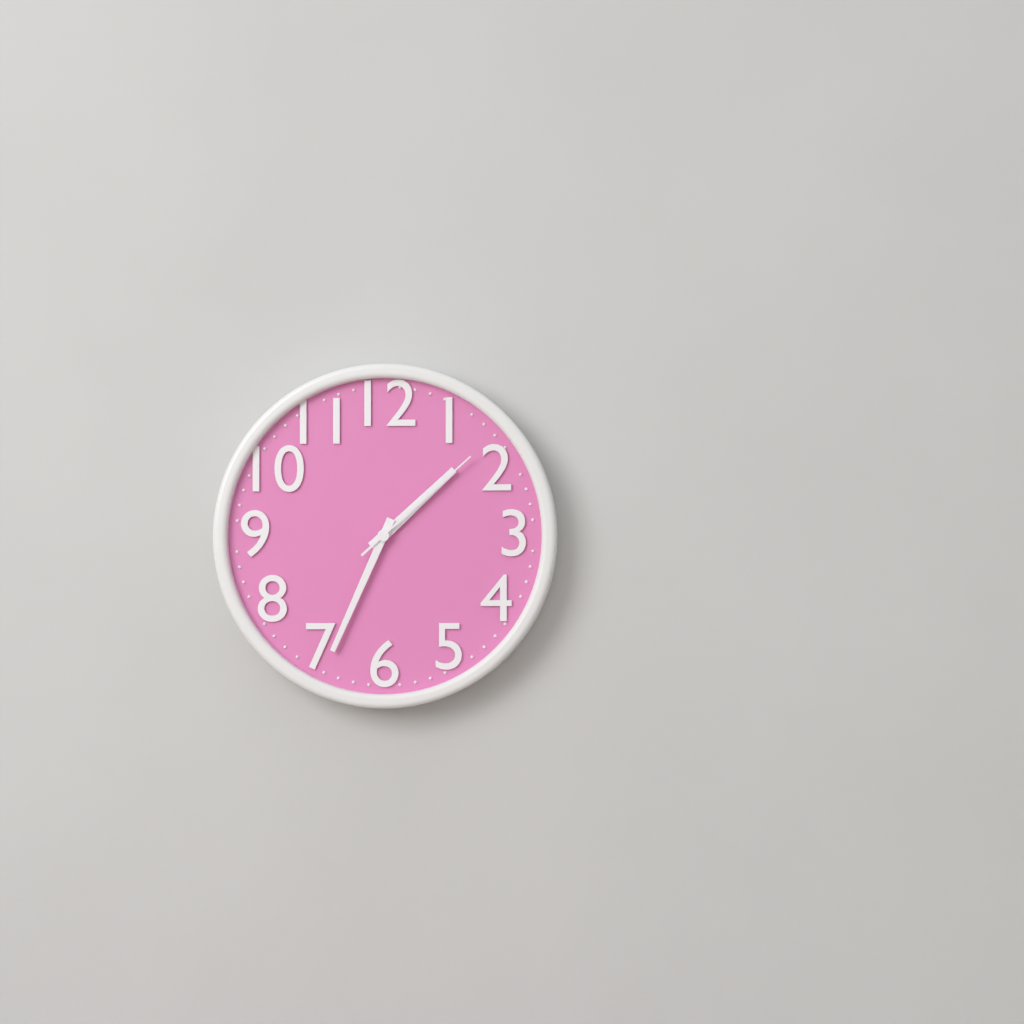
1:34:08
